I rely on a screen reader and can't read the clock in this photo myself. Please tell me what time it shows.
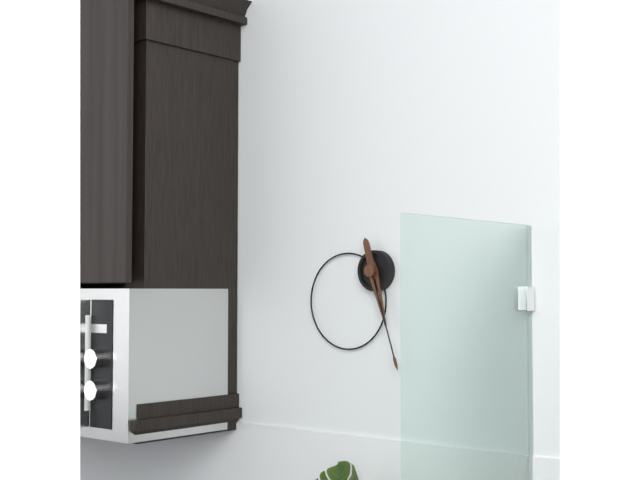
5:27
